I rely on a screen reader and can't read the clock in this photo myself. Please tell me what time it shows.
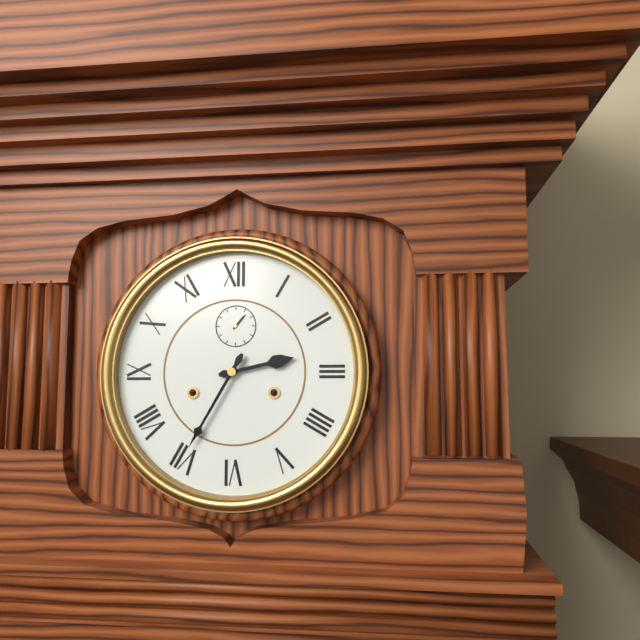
2:35
